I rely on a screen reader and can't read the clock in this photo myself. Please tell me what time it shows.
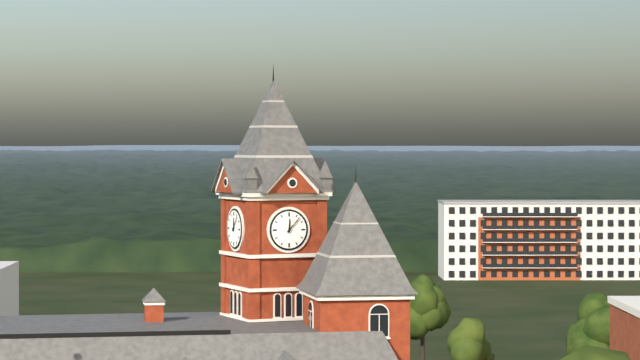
12:07
